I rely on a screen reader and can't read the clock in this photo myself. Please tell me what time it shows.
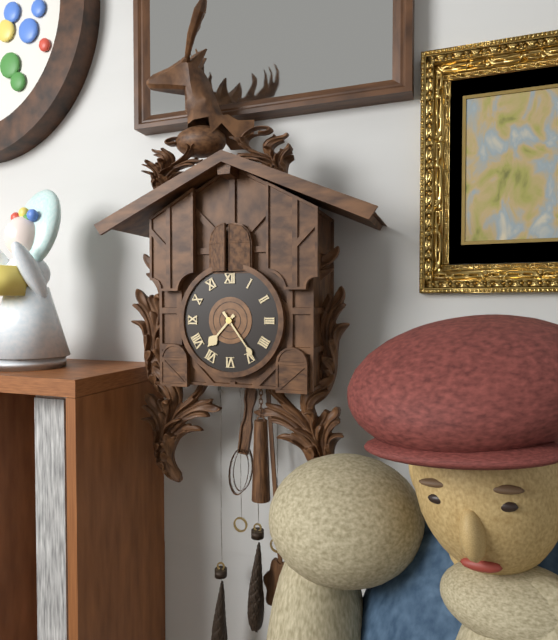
7:24
